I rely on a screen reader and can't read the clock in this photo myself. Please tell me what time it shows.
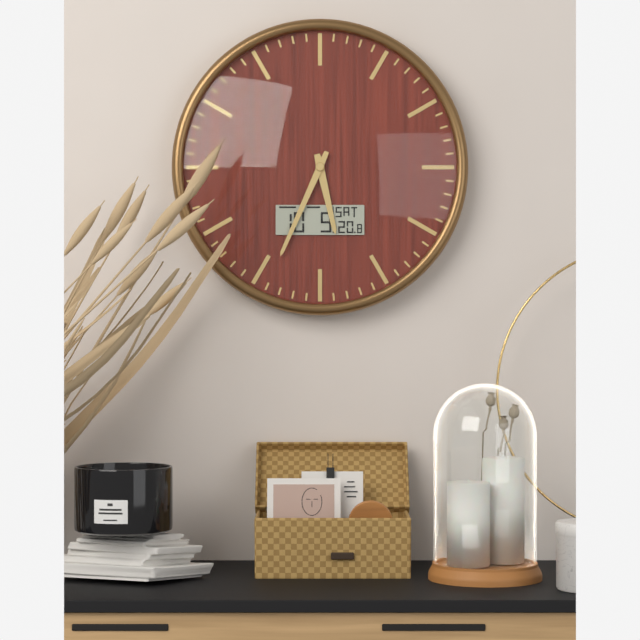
5:34
